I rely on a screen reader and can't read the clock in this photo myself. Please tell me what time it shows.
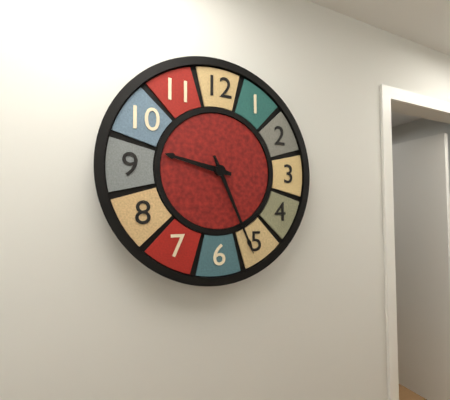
9:26
